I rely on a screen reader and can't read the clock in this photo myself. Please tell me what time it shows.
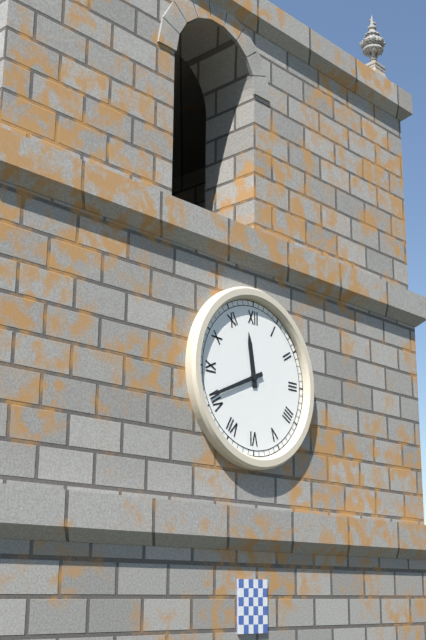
11:41
